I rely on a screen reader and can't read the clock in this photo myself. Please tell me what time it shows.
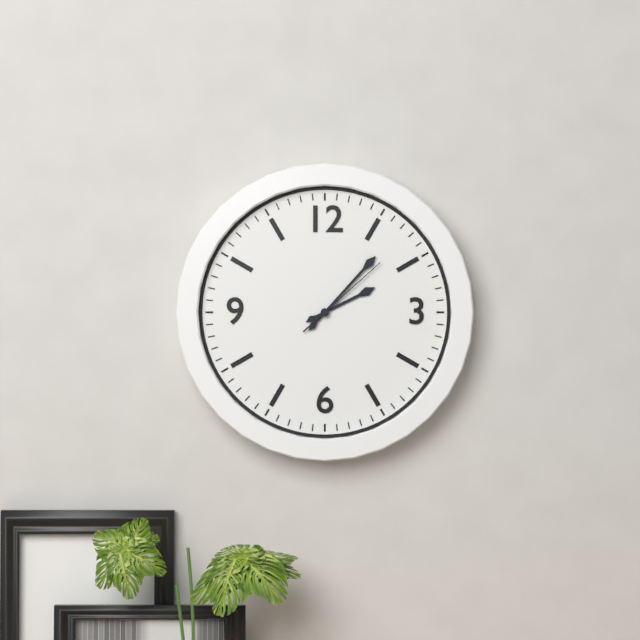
2:07:08
